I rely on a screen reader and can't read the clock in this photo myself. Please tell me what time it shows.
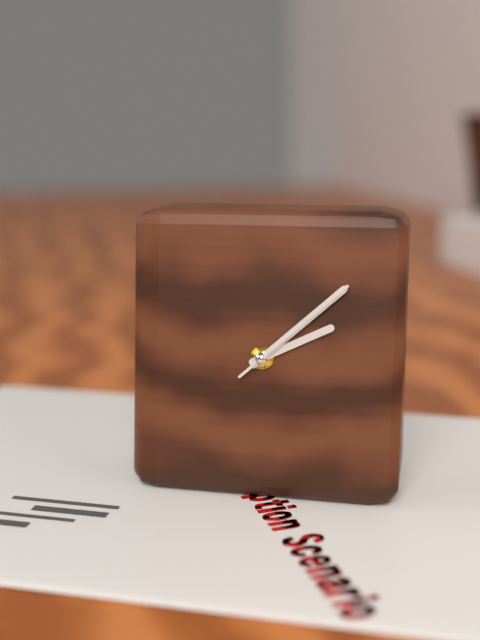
2:08:08
